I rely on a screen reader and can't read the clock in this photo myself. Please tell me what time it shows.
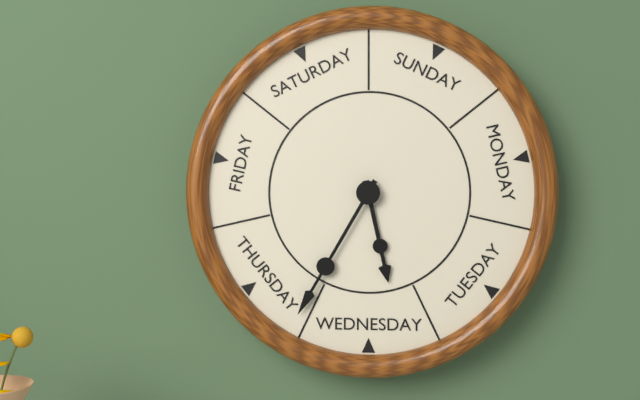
5:35
